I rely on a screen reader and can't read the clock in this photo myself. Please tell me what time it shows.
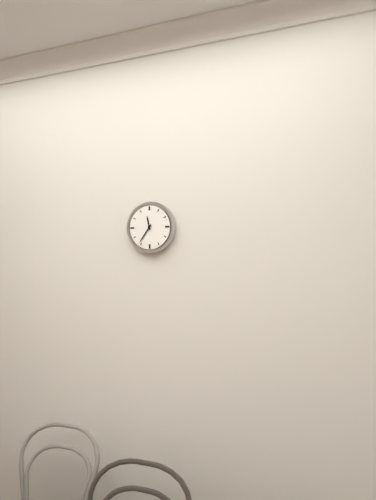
11:36
